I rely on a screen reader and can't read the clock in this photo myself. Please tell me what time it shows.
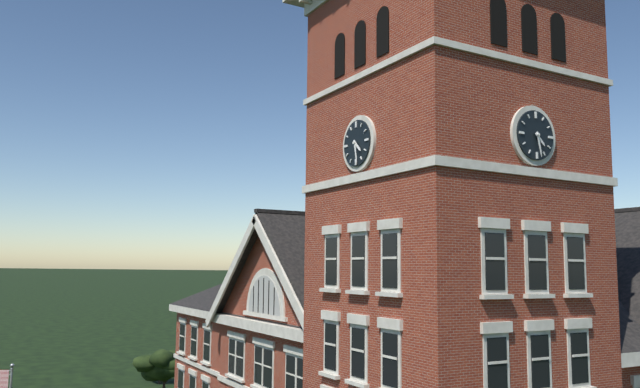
4:28
